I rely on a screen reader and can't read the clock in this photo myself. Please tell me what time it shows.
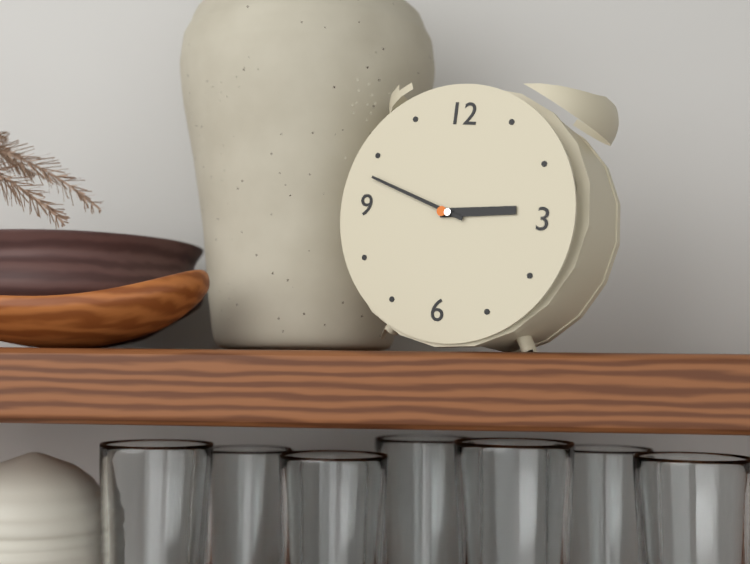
2:48
